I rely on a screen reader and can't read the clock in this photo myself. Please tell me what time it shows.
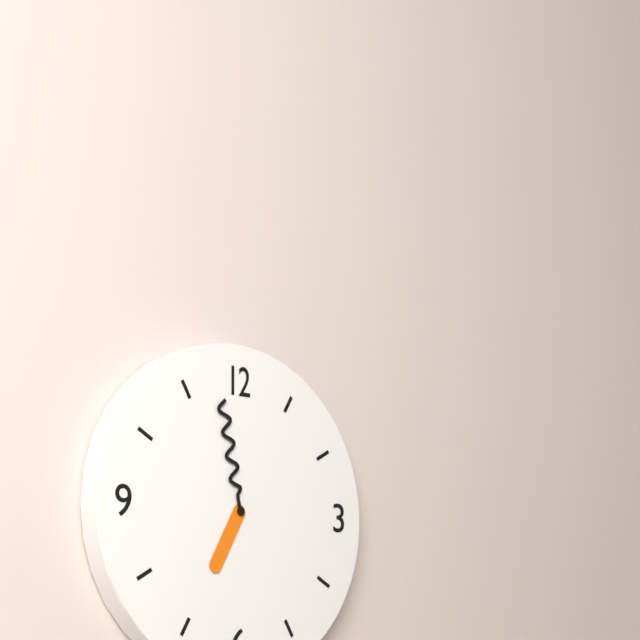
6:58
